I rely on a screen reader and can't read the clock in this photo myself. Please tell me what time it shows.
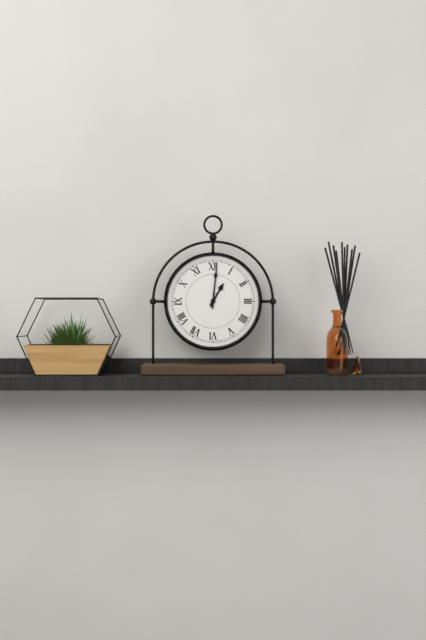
1:01
